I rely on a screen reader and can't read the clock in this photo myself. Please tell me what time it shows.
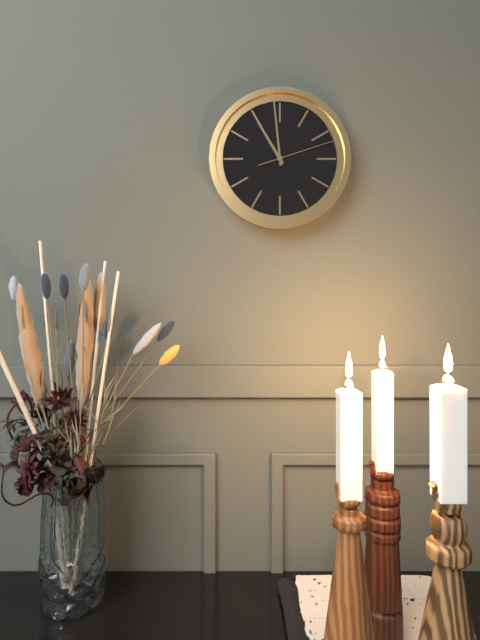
10:59:12
